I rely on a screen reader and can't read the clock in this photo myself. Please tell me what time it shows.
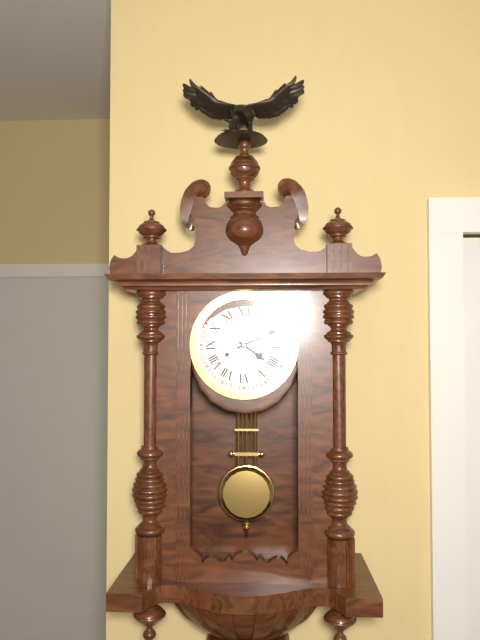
4:11
